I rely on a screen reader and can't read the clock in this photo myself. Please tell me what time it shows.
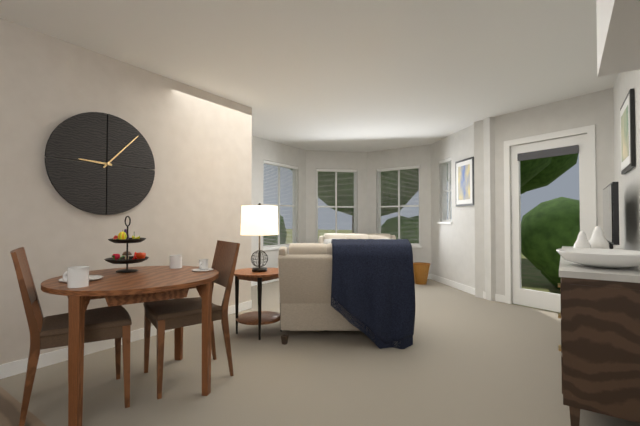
9:07
